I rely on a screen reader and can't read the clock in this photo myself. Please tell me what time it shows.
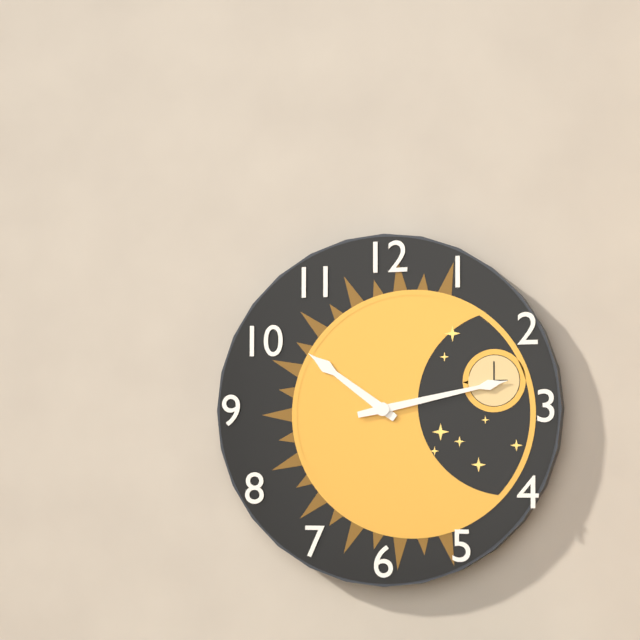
10:13
